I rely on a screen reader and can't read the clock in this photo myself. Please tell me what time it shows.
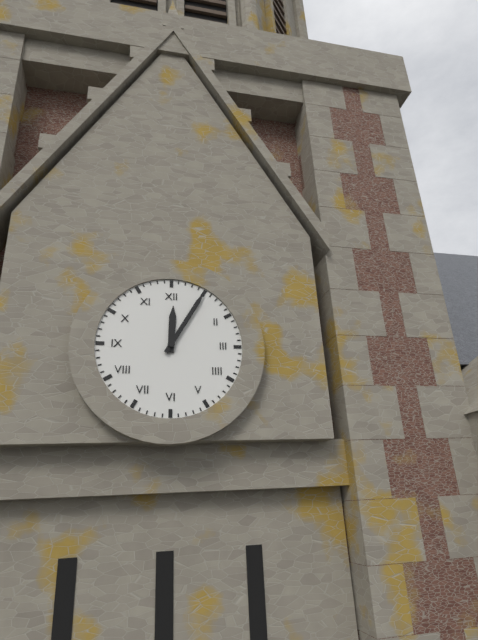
12:05
